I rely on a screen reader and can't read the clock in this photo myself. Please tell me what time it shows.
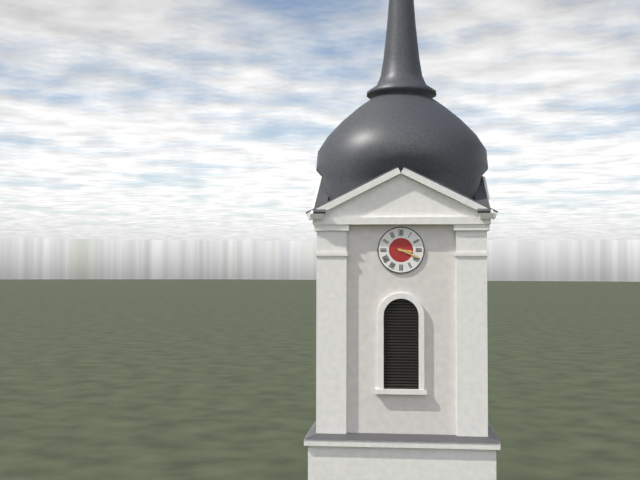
3:19
